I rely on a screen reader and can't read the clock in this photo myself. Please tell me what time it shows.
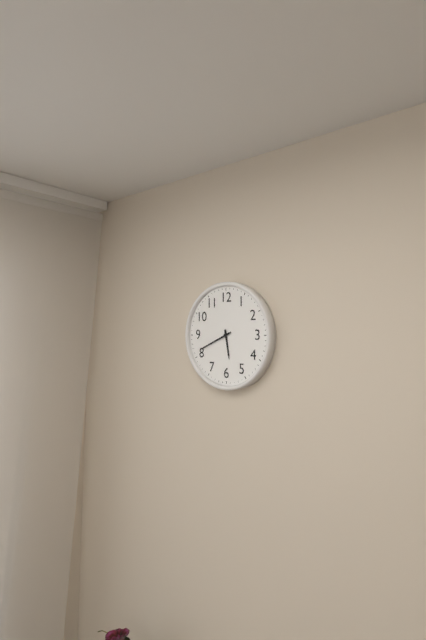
5:41
